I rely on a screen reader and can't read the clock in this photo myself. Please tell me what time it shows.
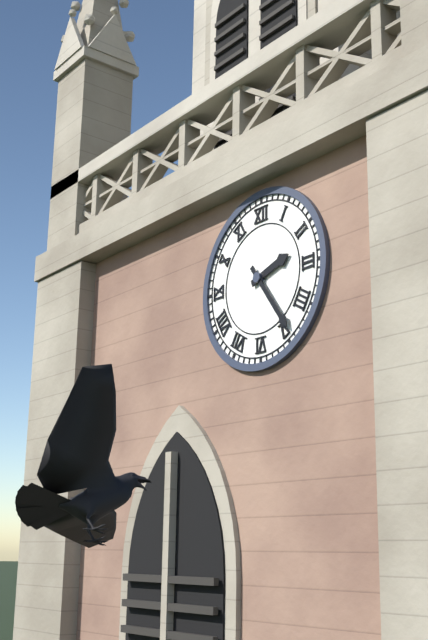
2:24
